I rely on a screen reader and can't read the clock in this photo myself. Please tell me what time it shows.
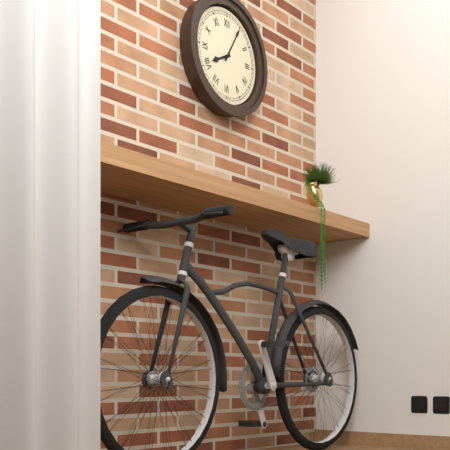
8:05
